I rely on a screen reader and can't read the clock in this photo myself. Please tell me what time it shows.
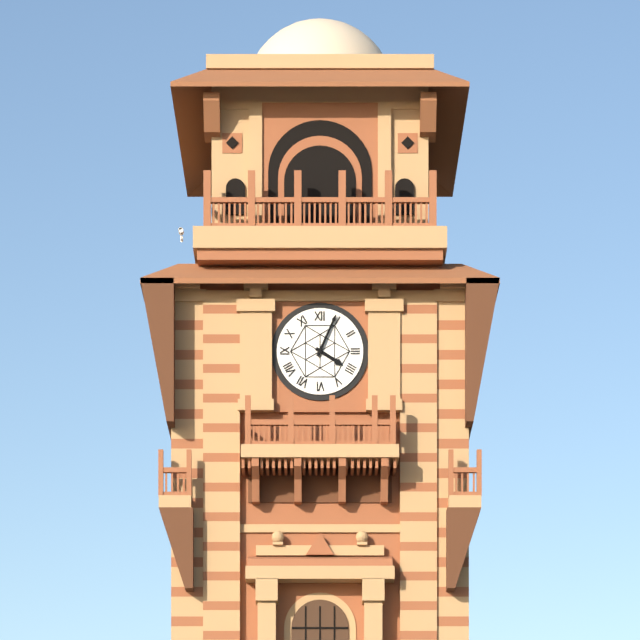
4:04
